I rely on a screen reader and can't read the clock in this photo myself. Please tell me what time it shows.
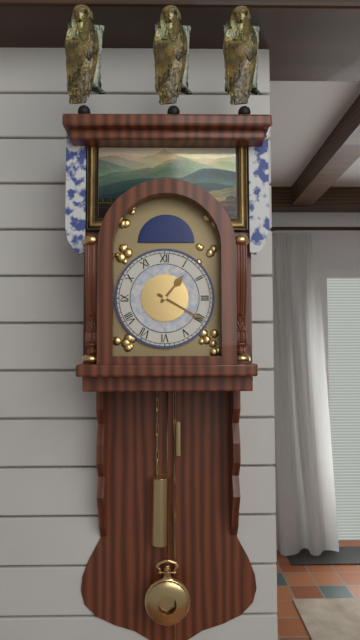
1:20
